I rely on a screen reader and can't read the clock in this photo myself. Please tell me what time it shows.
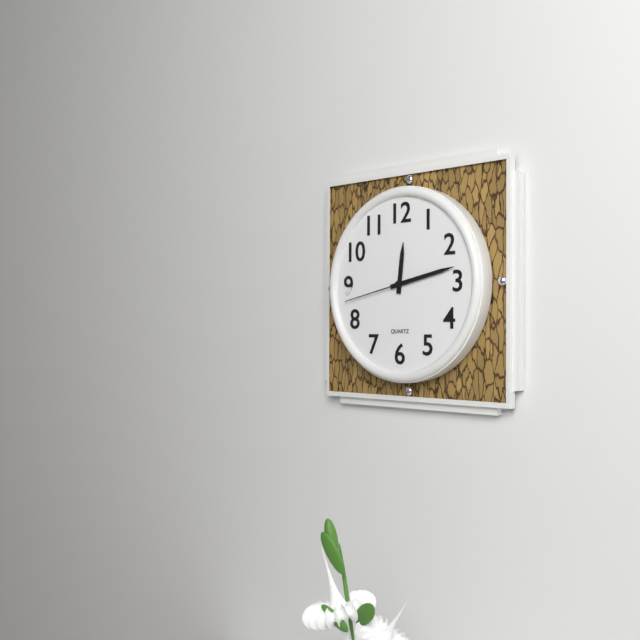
12:13:43
